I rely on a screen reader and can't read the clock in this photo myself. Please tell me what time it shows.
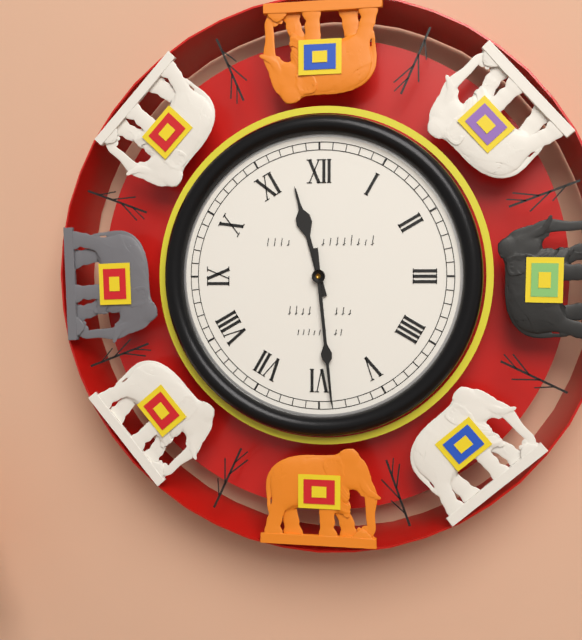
11:29
